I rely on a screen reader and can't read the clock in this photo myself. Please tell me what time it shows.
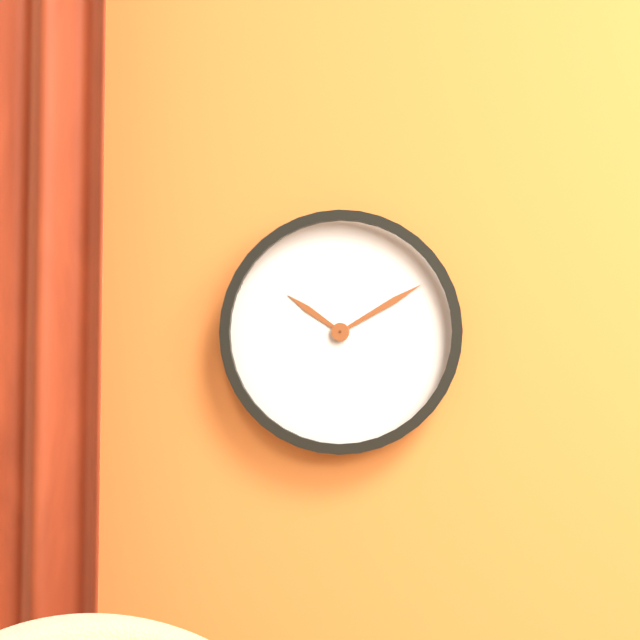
10:10
